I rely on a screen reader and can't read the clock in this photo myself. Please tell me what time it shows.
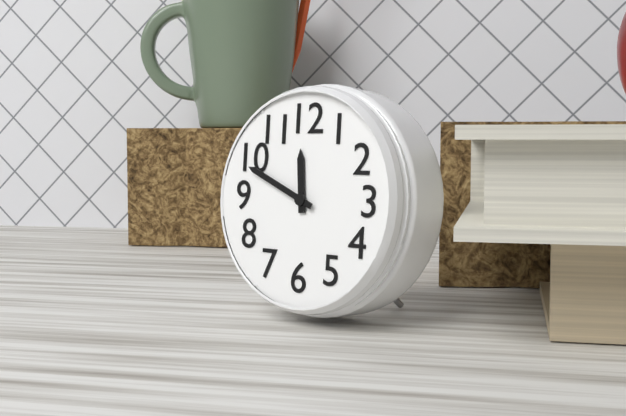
11:49
